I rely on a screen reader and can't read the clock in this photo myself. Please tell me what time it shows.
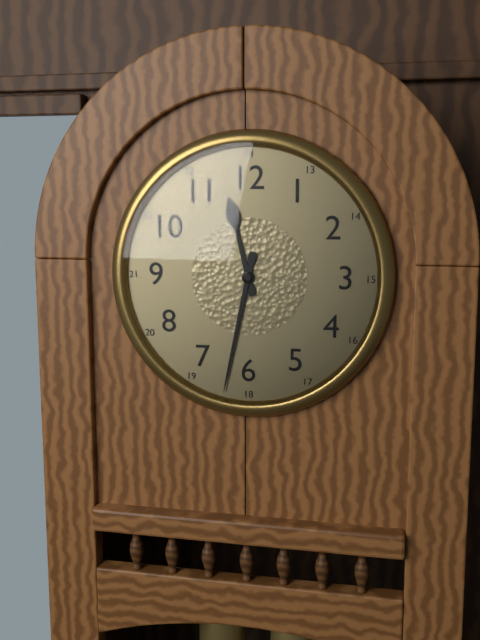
11:32
